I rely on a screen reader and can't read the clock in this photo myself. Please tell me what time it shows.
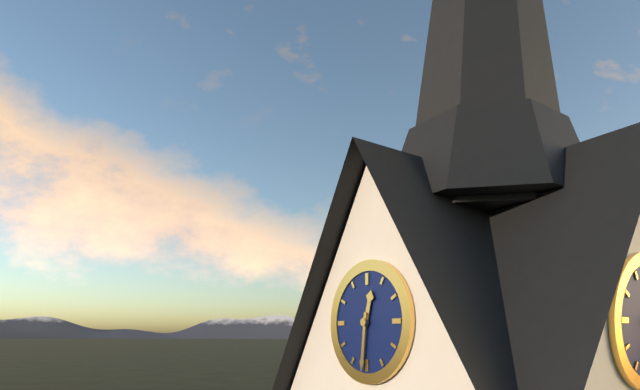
12:31
